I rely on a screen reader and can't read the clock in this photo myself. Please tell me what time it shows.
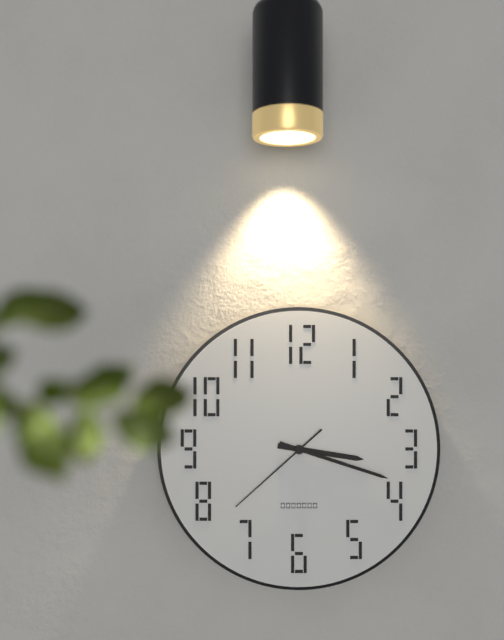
3:18:38
